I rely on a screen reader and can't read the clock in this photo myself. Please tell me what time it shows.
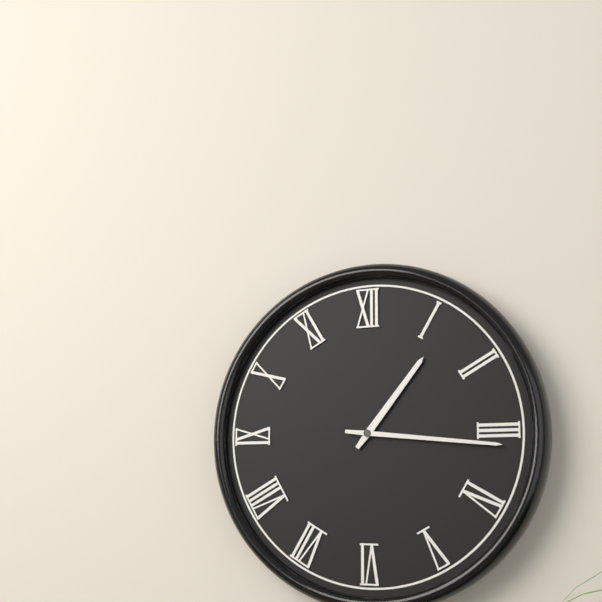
1:16
